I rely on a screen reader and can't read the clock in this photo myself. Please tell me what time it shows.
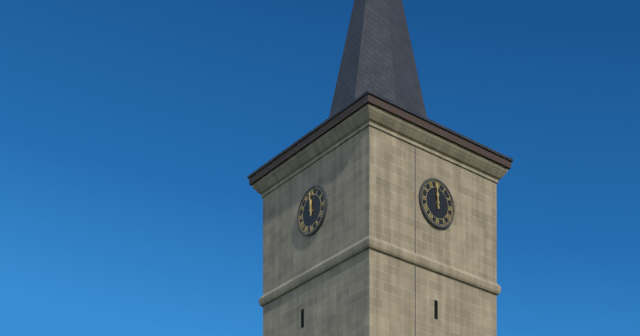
11:59
